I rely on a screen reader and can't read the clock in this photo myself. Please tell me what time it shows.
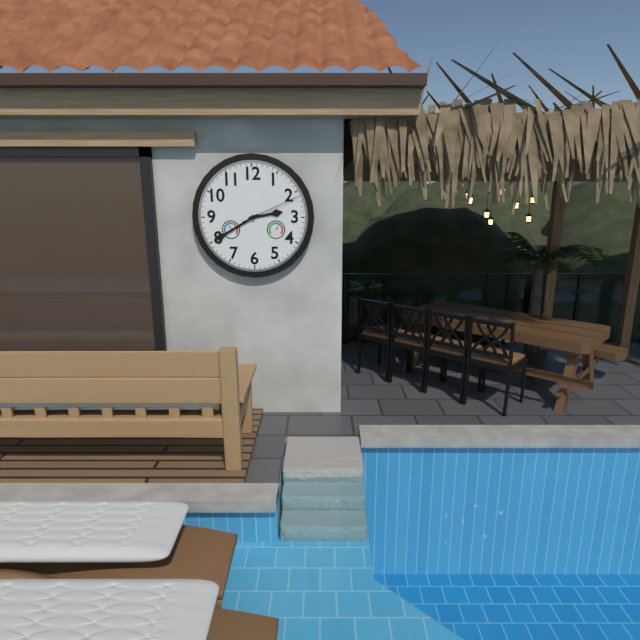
2:40:11
